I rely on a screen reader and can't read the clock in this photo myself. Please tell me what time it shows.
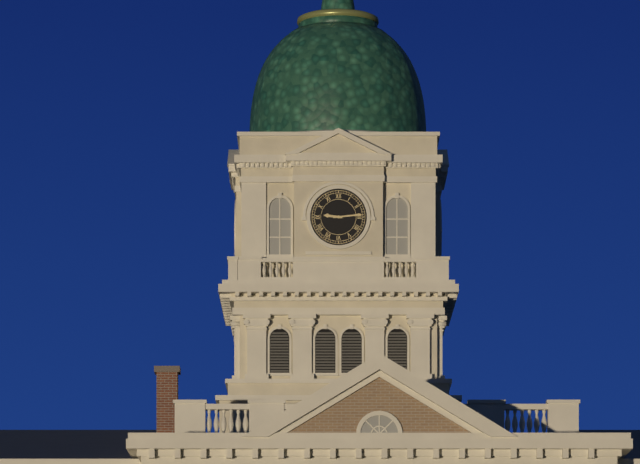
9:14
